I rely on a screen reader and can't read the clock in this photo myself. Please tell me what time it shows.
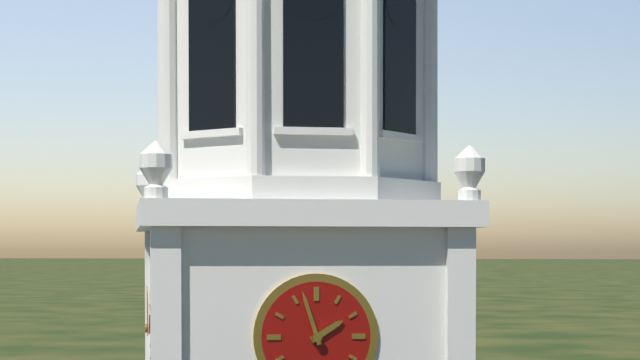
1:57
